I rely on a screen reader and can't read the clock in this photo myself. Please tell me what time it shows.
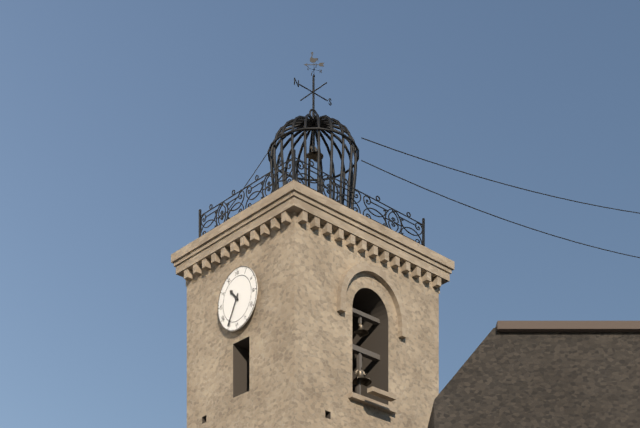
10:35
